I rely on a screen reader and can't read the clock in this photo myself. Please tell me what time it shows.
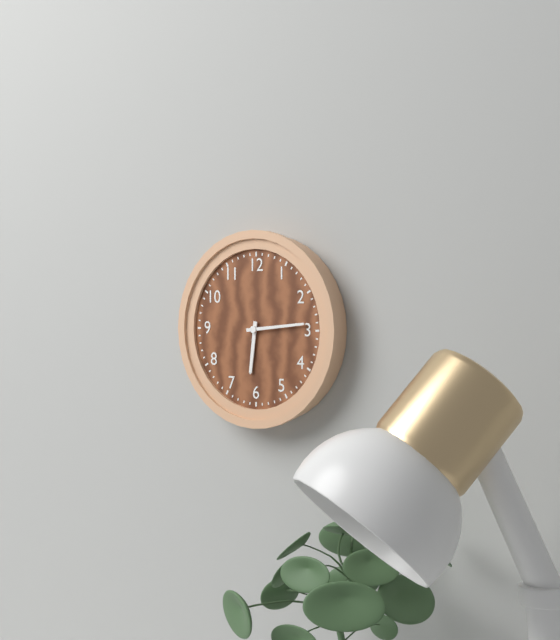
6:14
